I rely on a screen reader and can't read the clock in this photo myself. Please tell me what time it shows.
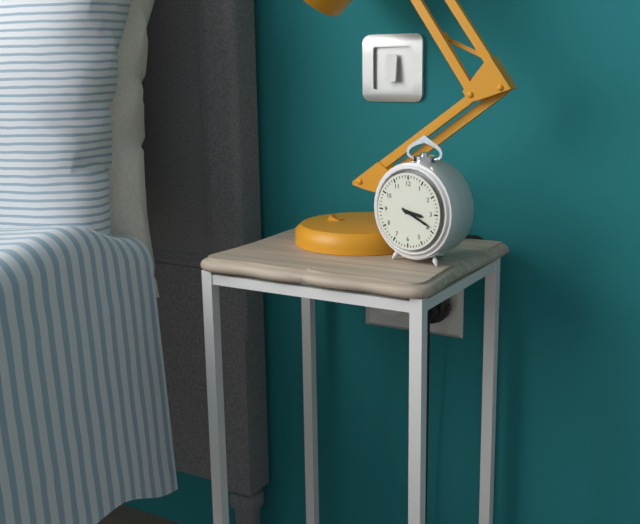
3:19
